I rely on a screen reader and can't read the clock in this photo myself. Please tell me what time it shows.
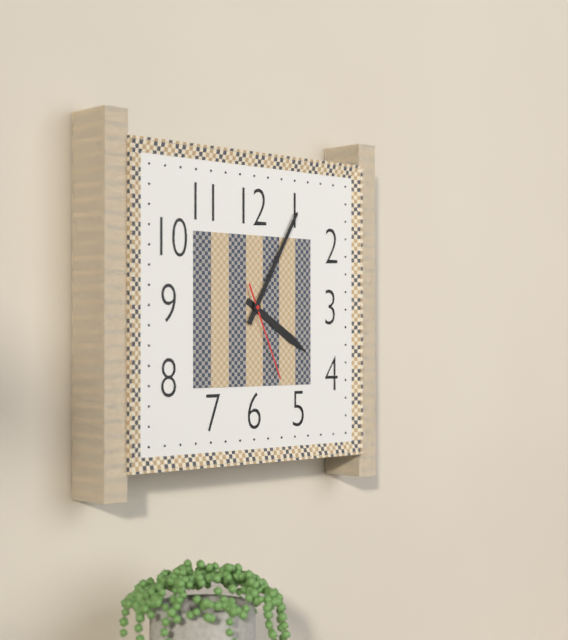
4:05:26
